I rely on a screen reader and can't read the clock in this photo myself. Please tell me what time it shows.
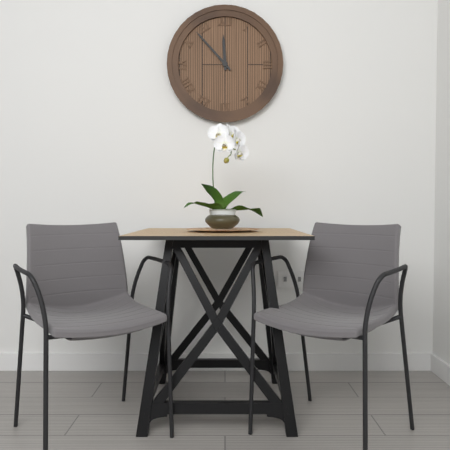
11:53
